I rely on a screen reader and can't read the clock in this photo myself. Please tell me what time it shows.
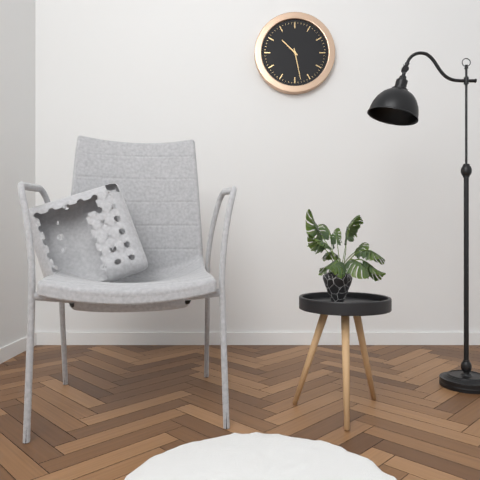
10:28
